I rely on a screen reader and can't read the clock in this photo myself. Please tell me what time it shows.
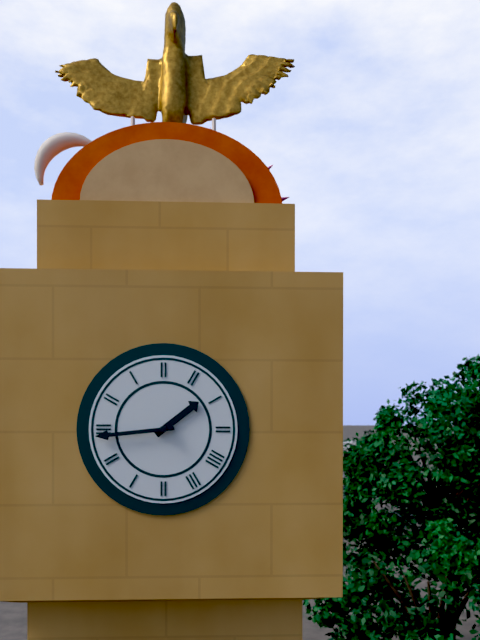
1:44
